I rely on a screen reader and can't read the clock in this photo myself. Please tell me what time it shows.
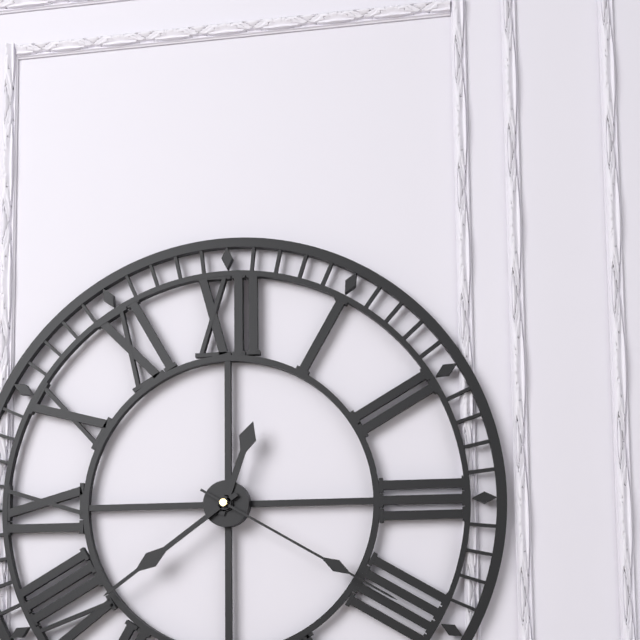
12:39:20
